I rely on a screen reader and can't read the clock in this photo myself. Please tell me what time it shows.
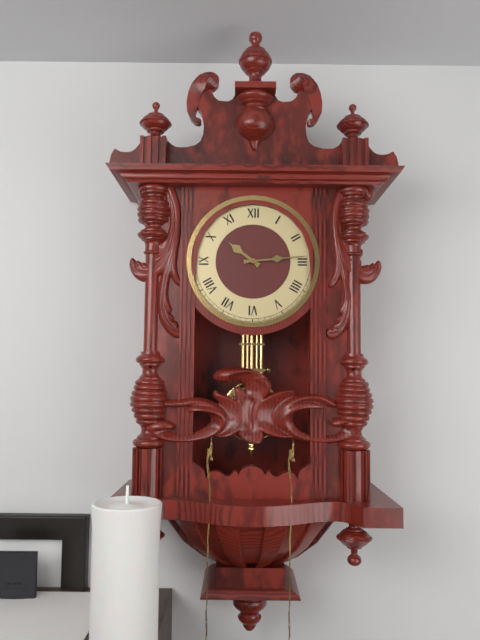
10:14
